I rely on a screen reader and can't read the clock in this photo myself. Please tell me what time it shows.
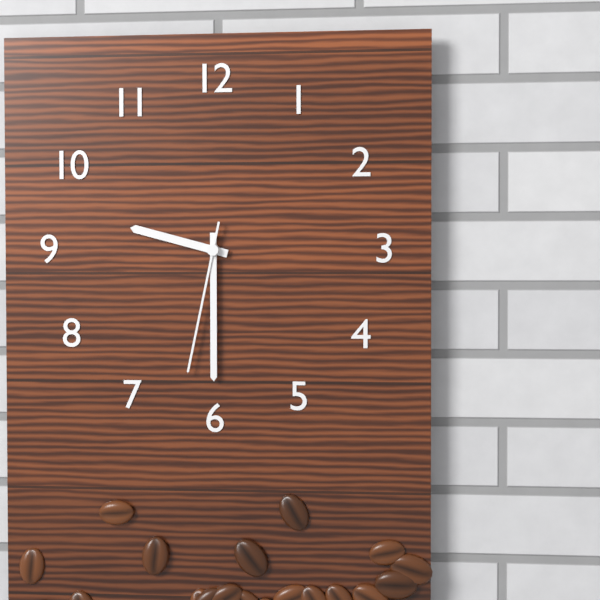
9:30:32
